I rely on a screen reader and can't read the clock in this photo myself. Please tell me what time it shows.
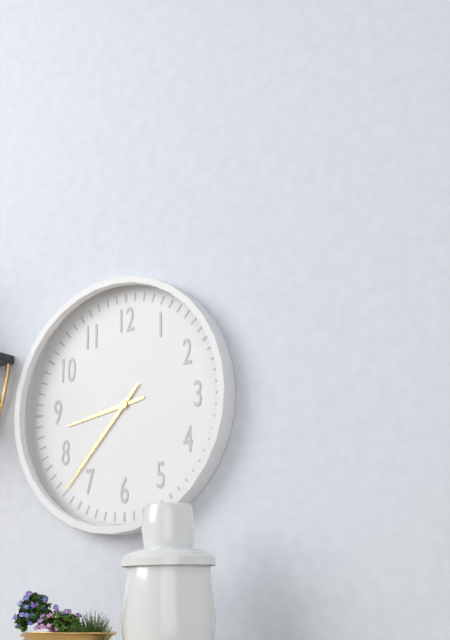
8:37
